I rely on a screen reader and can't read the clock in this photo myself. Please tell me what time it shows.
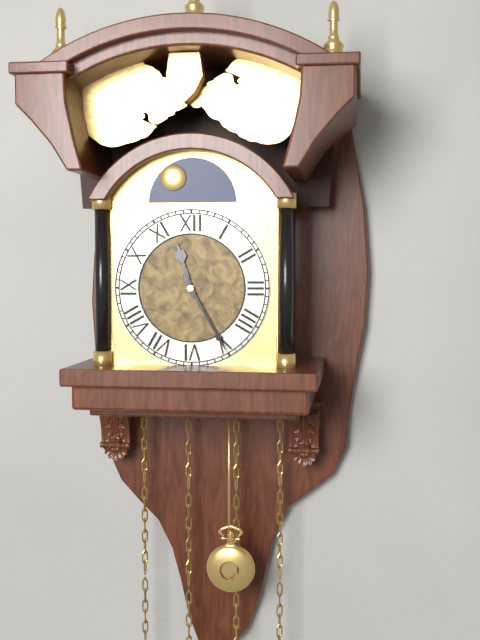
11:25
